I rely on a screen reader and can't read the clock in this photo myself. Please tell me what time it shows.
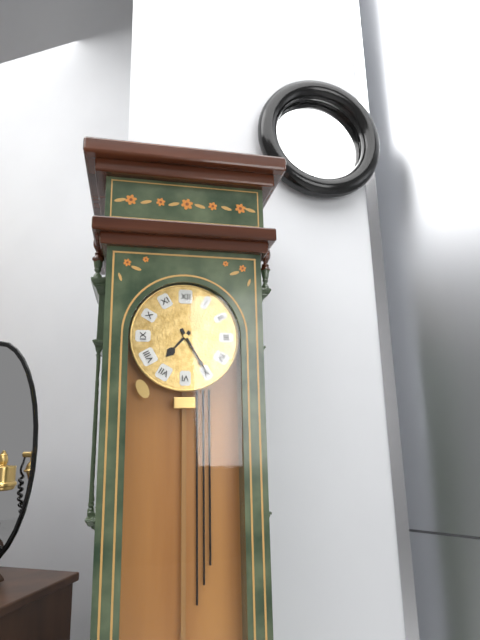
7:25
